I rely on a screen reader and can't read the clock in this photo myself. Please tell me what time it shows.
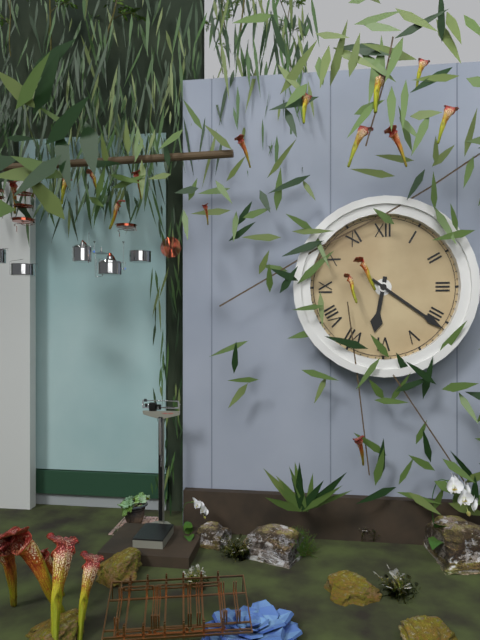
6:21
